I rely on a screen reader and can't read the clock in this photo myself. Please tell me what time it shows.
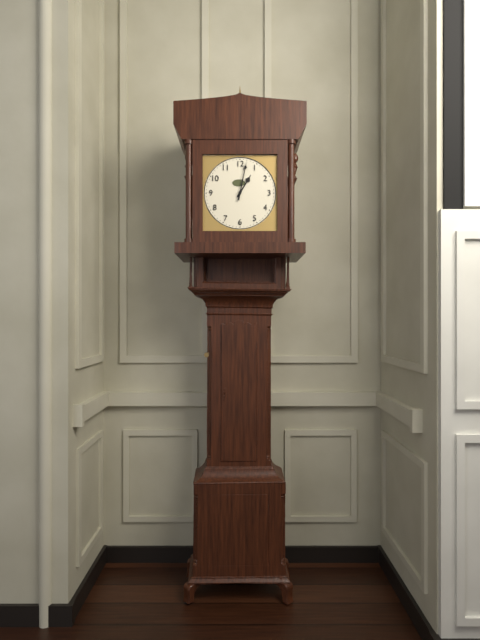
1:02
